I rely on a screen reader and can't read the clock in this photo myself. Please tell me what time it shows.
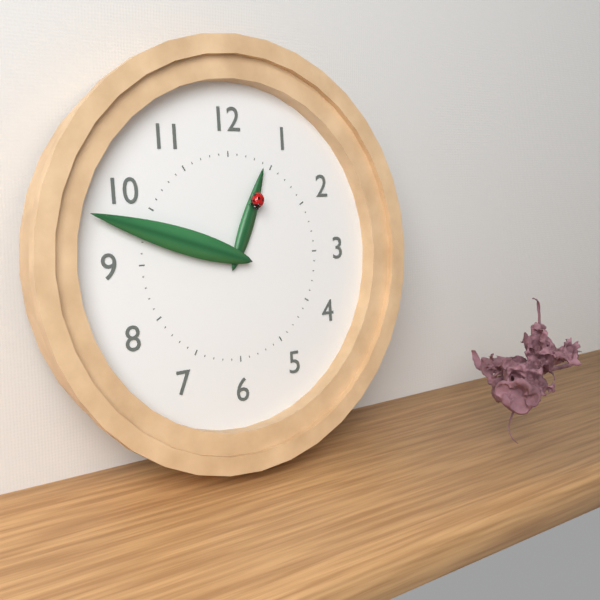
12:48
